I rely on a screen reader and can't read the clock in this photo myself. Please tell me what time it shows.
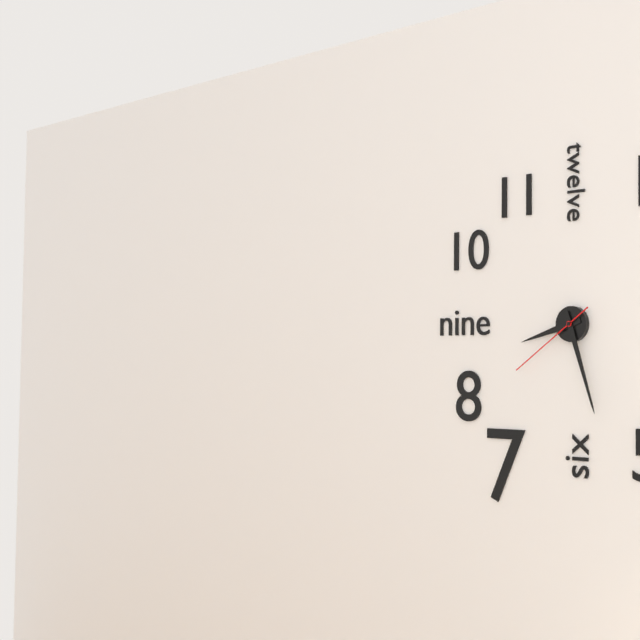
8:27:39
